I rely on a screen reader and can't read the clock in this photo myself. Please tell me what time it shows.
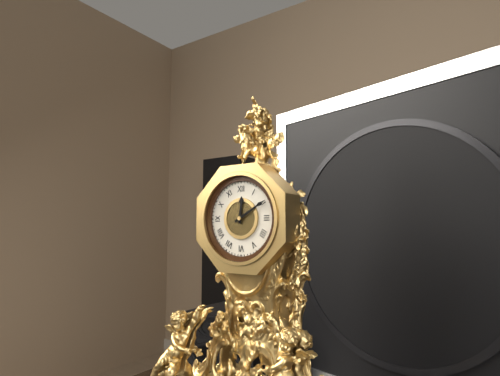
12:10
